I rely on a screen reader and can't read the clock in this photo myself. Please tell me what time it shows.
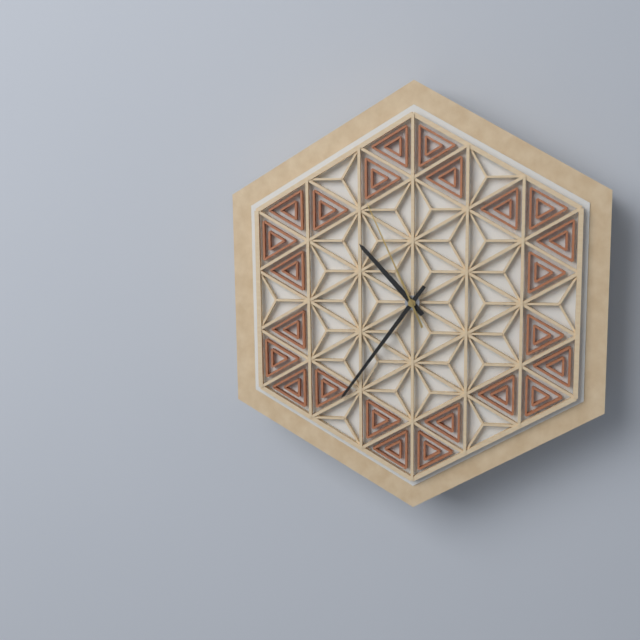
10:36:56
